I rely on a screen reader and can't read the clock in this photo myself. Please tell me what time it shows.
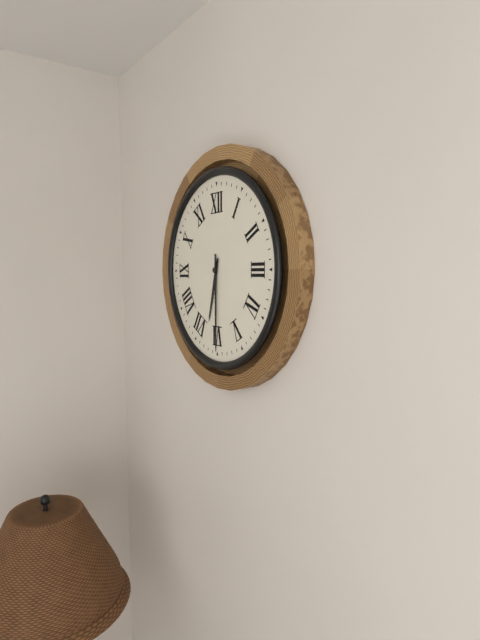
6:30
